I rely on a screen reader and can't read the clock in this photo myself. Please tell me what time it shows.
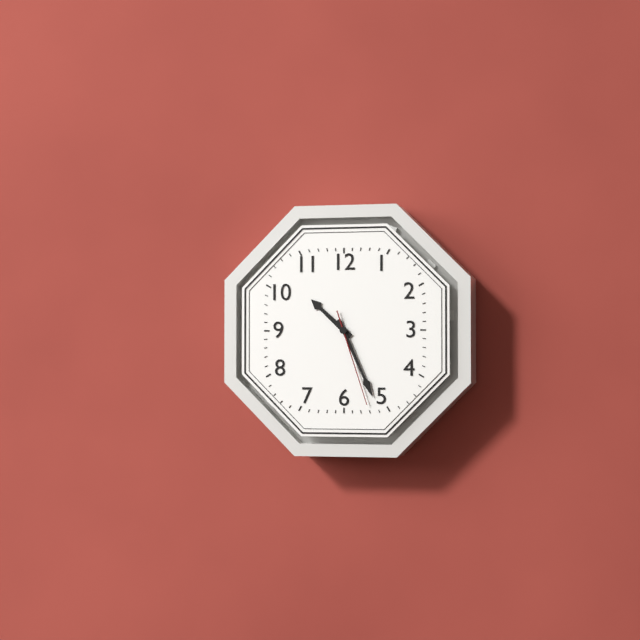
10:26:27
